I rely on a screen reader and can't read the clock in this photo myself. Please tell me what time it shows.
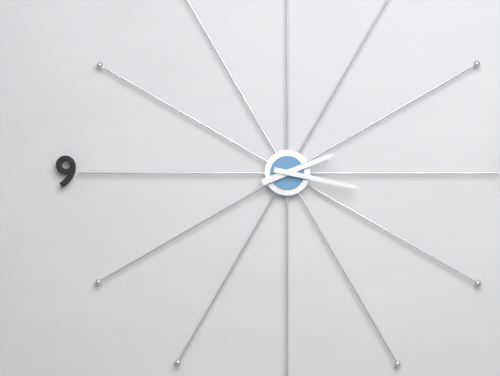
2:17
